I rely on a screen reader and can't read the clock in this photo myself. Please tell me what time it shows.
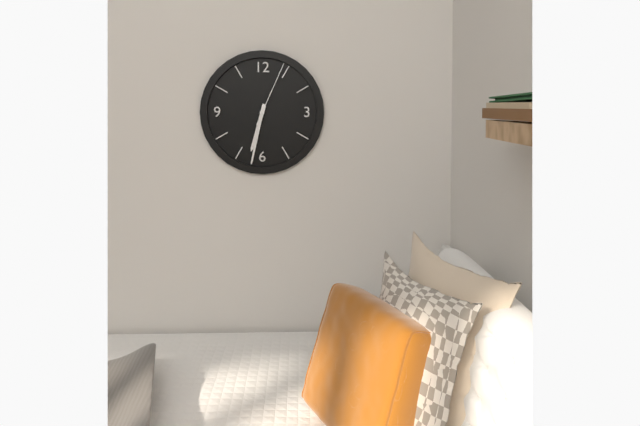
6:32:04
